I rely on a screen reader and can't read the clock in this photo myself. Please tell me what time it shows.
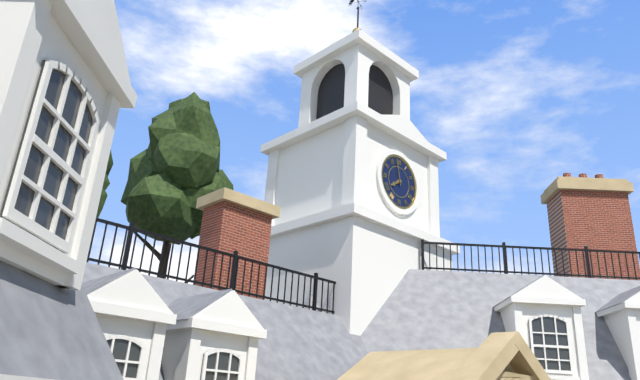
7:58
